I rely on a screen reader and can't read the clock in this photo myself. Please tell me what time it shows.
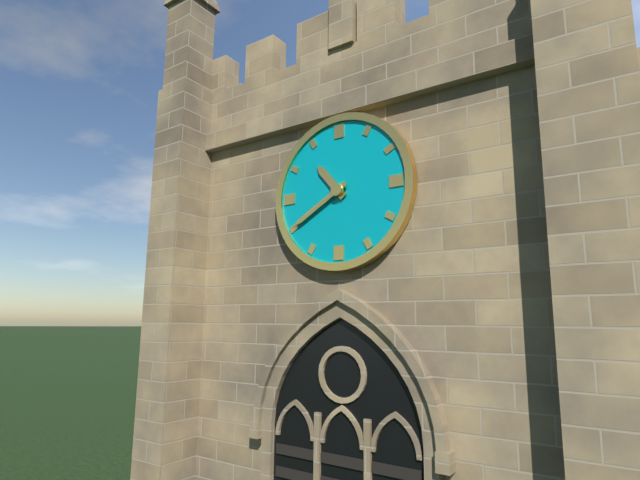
10:40
